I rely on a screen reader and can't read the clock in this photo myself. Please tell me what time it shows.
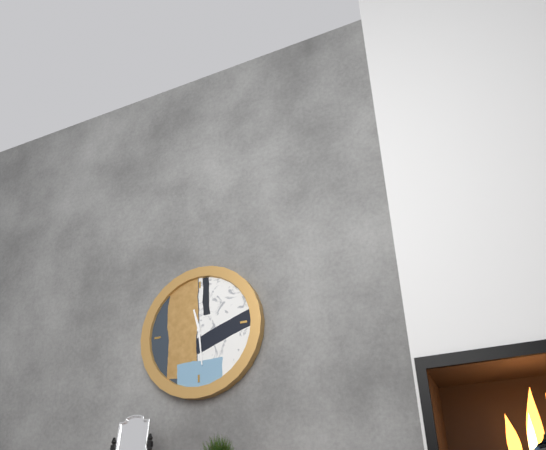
11:29
